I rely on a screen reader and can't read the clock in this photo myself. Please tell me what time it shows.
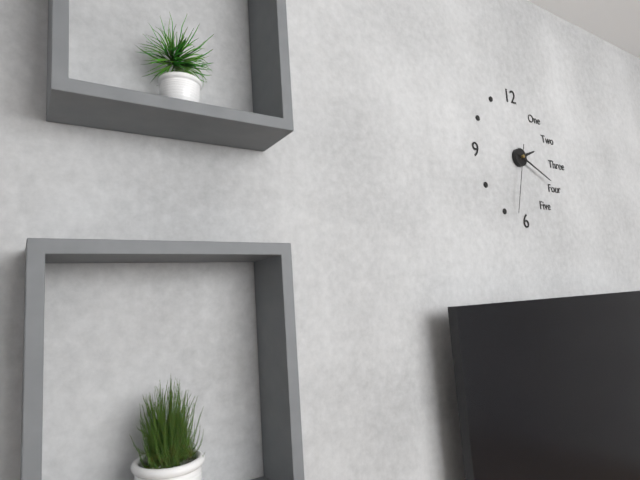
2:19:33
